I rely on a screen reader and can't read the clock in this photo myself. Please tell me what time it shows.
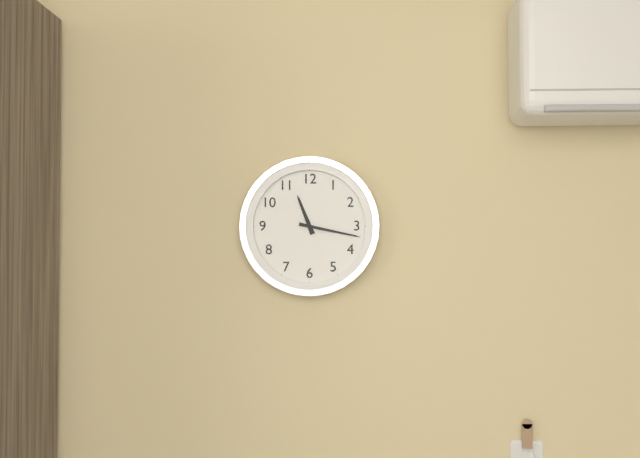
11:17
